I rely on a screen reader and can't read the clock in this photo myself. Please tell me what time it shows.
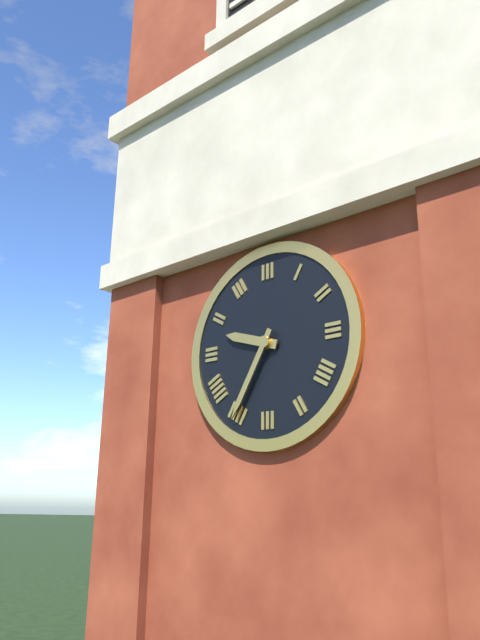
9:35
